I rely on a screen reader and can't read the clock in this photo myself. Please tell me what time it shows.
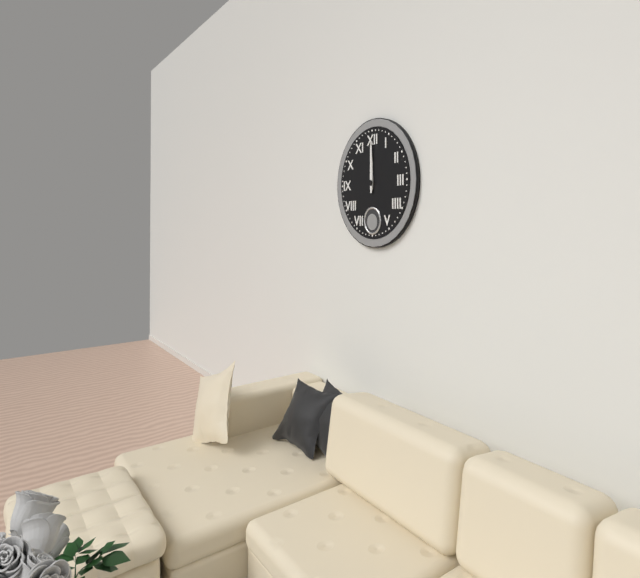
12:00
